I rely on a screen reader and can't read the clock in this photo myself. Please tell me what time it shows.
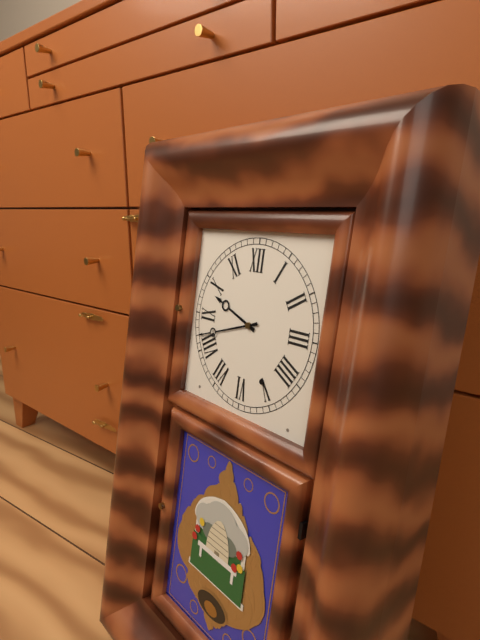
9:42
